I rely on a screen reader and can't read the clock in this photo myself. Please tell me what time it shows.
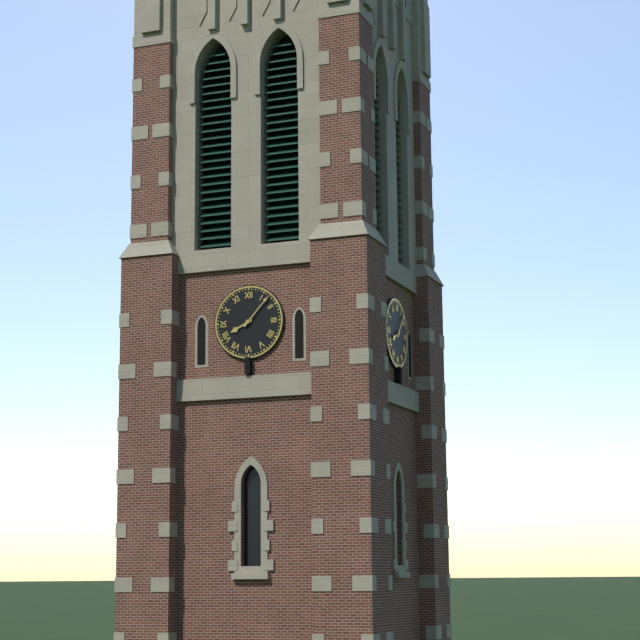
8:07
